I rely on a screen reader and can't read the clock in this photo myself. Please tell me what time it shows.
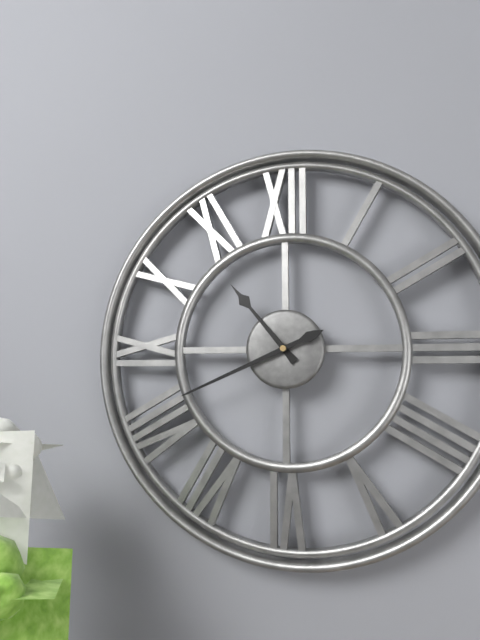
10:41
